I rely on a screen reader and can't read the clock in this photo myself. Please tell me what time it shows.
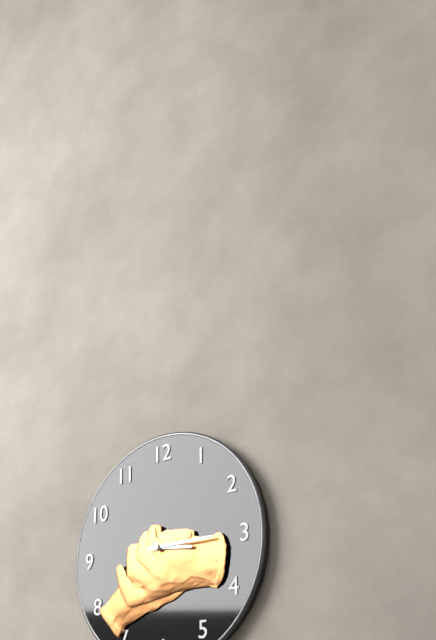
3:15
